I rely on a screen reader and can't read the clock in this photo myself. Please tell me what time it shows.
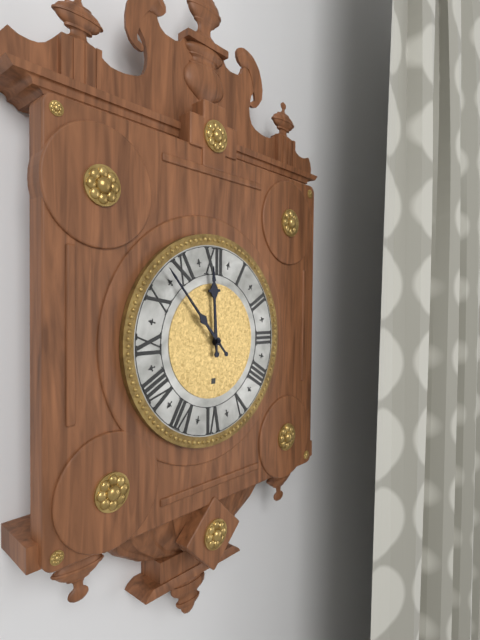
11:53
